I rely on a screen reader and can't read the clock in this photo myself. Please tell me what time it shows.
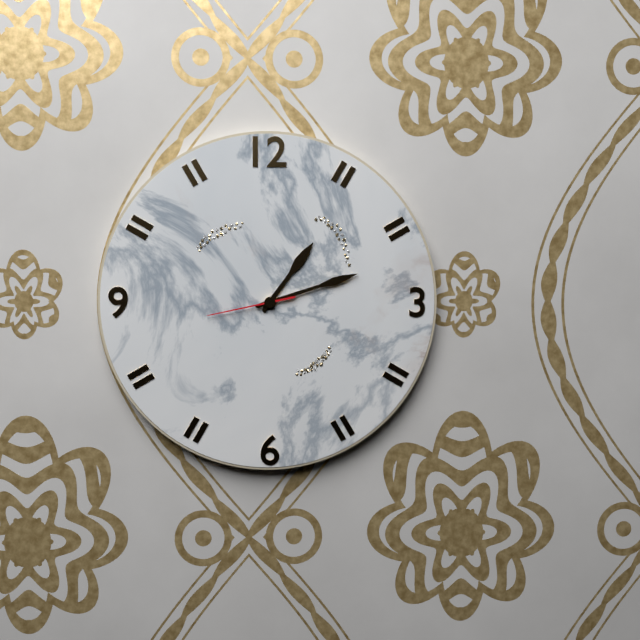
1:12:43
